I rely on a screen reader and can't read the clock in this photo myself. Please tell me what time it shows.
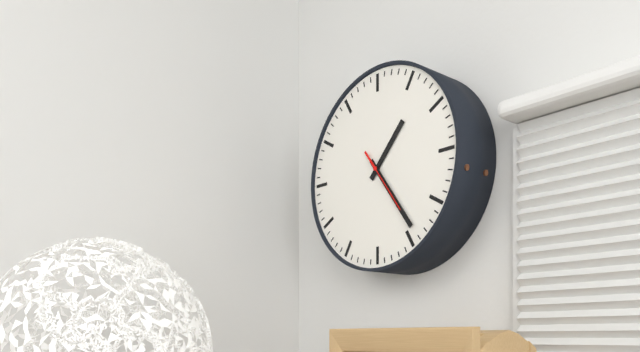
1:24:24
